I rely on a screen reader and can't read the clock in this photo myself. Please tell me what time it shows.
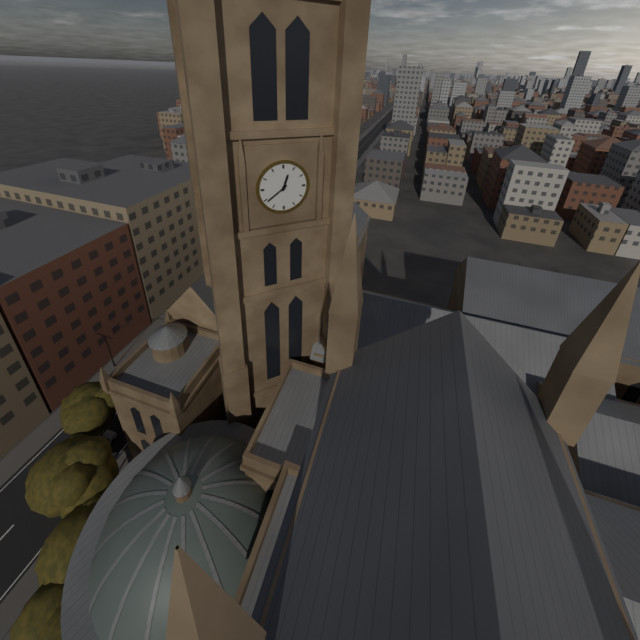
12:39
